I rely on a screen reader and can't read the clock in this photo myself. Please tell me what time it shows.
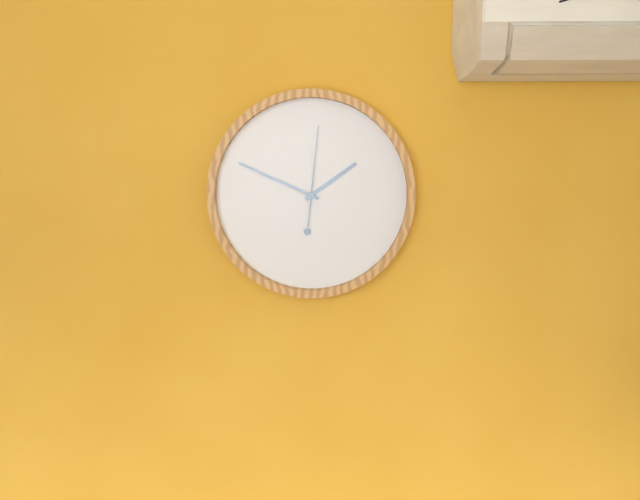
1:49:01
